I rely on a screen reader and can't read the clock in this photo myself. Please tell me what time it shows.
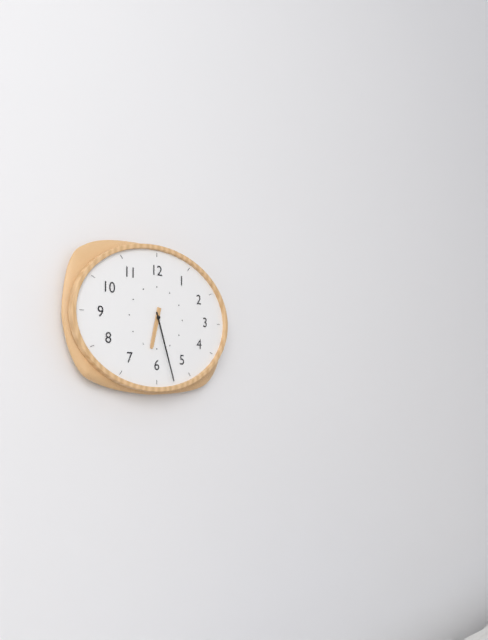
6:27
